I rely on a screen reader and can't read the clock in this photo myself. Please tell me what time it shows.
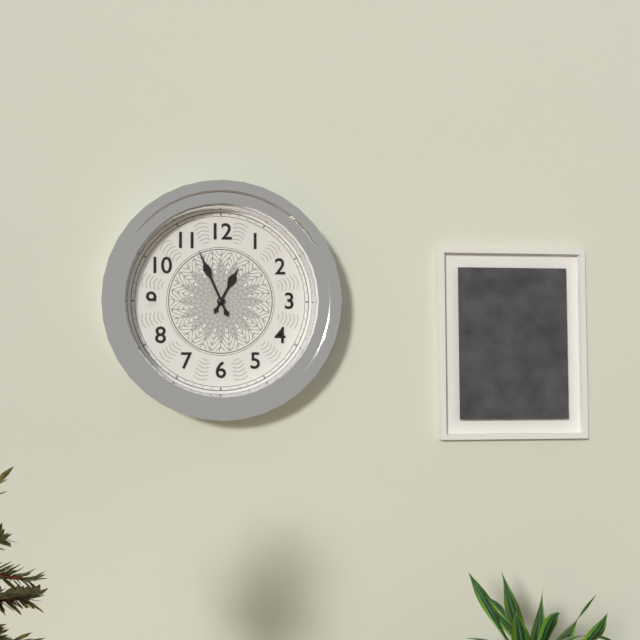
12:56
